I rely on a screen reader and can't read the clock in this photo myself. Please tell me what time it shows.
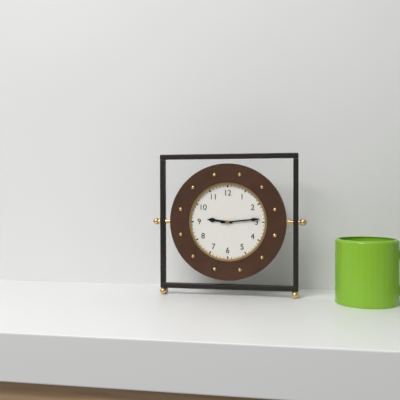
9:14
